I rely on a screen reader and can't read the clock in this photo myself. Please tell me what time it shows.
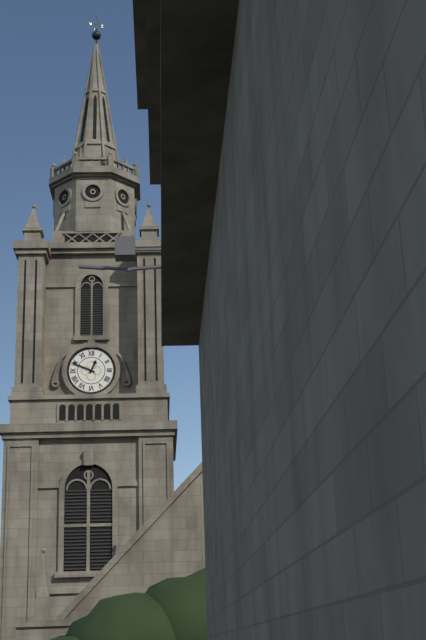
12:49
